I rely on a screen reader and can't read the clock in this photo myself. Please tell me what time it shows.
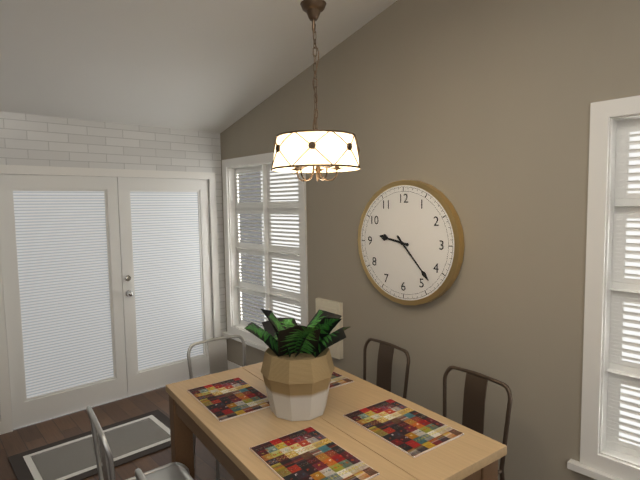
9:23
